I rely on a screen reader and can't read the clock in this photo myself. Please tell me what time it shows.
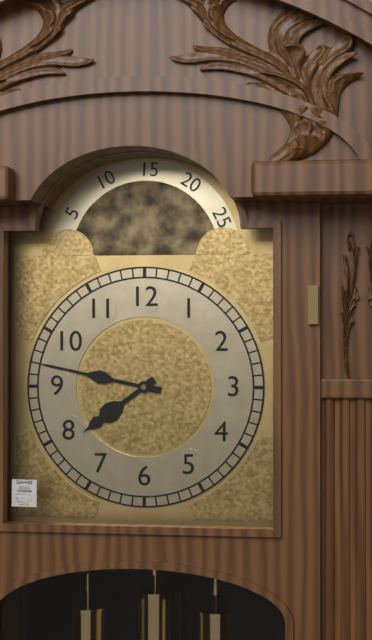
7:47
